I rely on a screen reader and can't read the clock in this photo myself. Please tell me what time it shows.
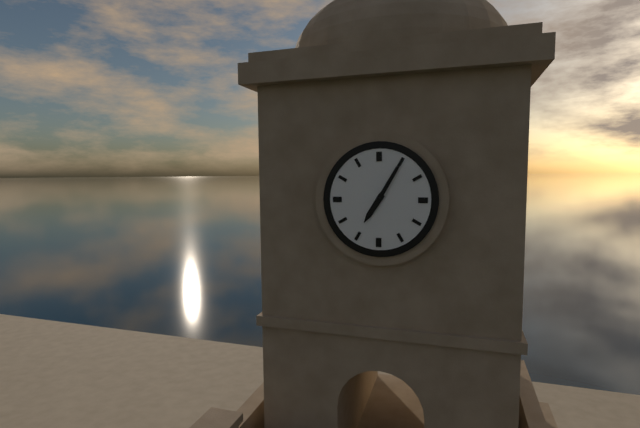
7:05
